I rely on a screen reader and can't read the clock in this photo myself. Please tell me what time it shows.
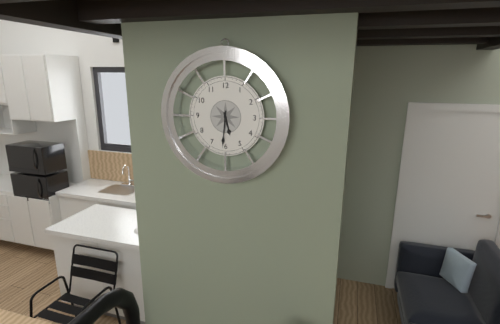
5:31
